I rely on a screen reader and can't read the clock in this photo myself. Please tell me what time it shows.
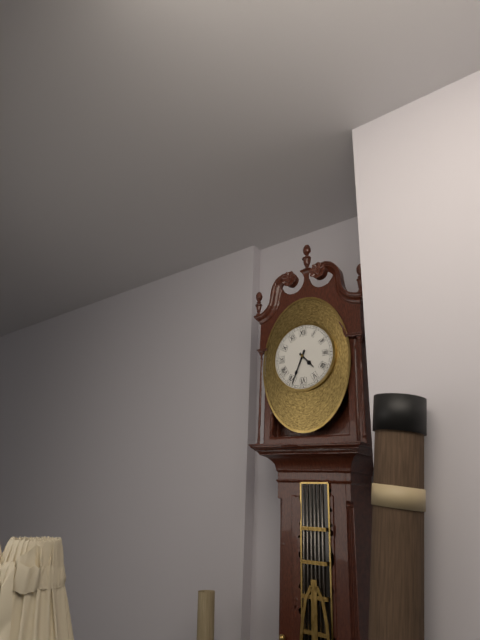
4:34
